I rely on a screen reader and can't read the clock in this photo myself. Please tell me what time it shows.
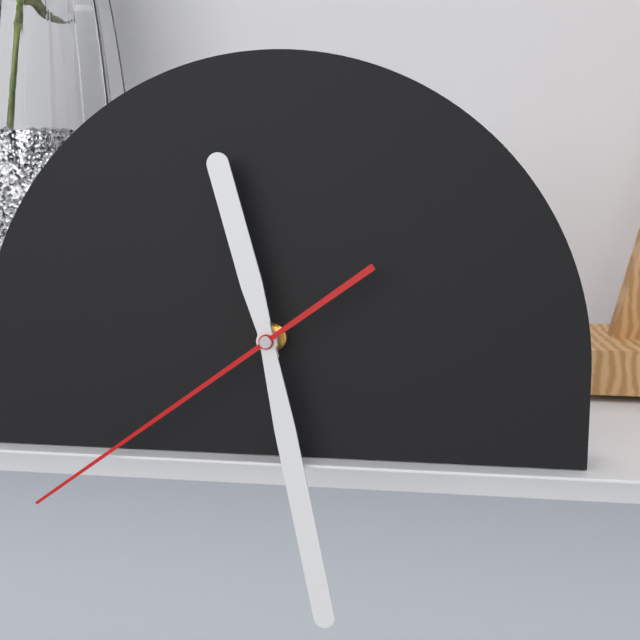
11:28:39
